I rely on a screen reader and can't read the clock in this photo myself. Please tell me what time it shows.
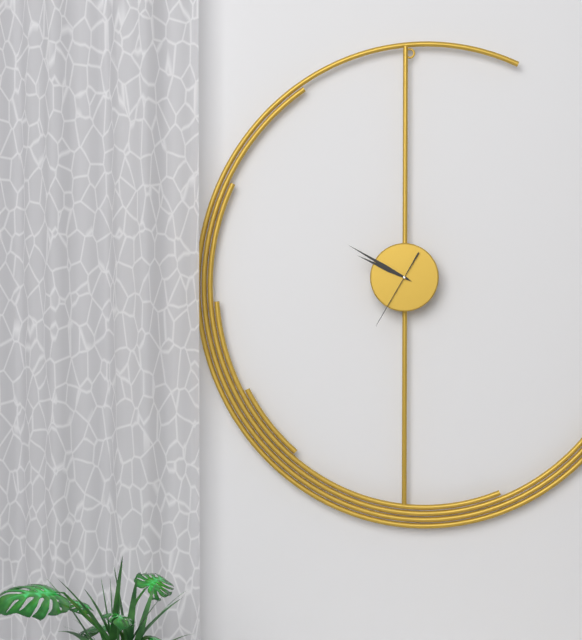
9:50:35
